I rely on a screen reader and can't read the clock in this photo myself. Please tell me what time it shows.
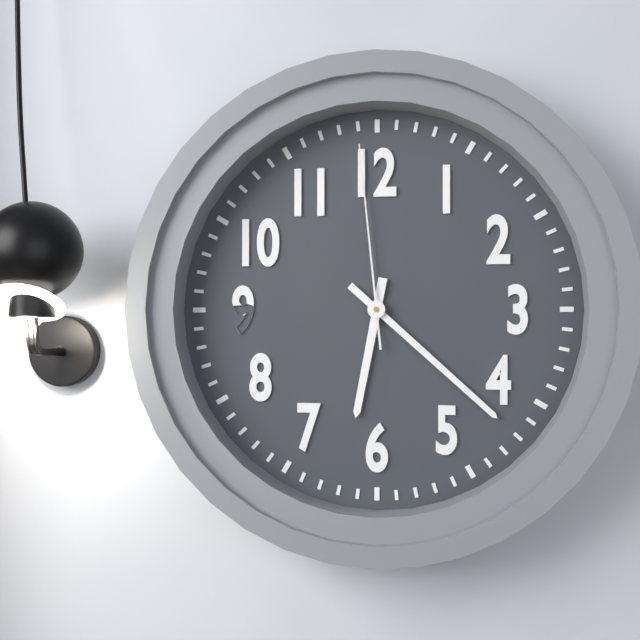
6:22:59
